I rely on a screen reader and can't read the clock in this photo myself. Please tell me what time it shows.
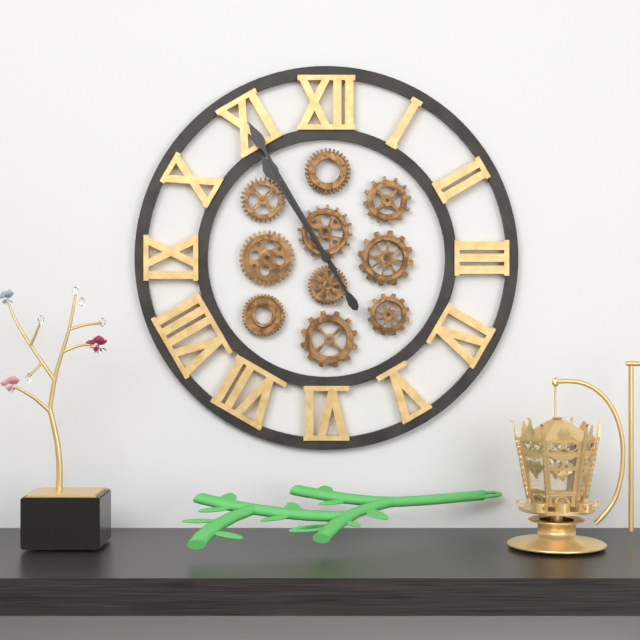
10:55
